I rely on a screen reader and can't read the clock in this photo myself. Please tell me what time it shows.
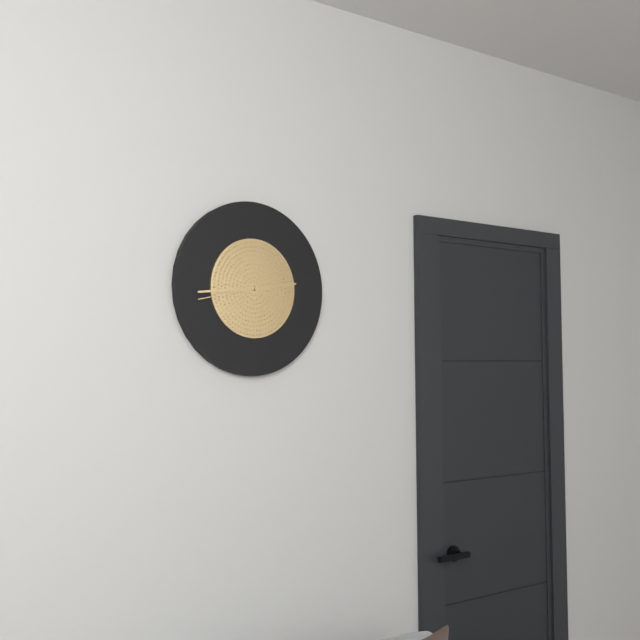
2:44:43
